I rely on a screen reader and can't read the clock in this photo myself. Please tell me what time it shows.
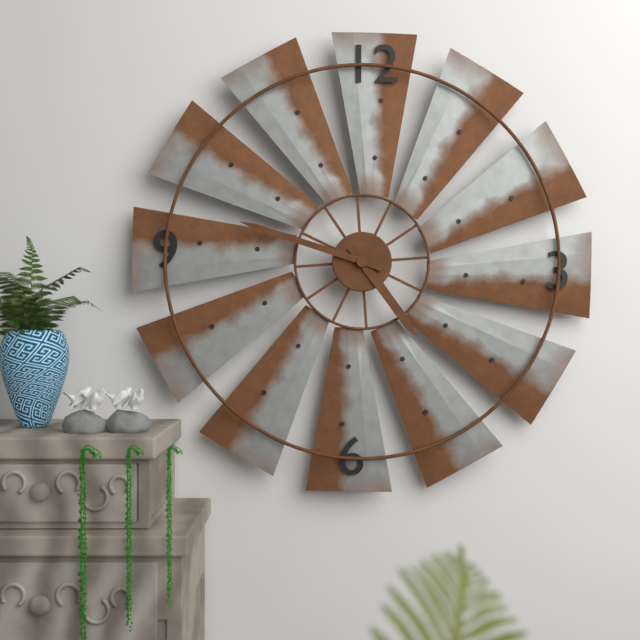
4:48
